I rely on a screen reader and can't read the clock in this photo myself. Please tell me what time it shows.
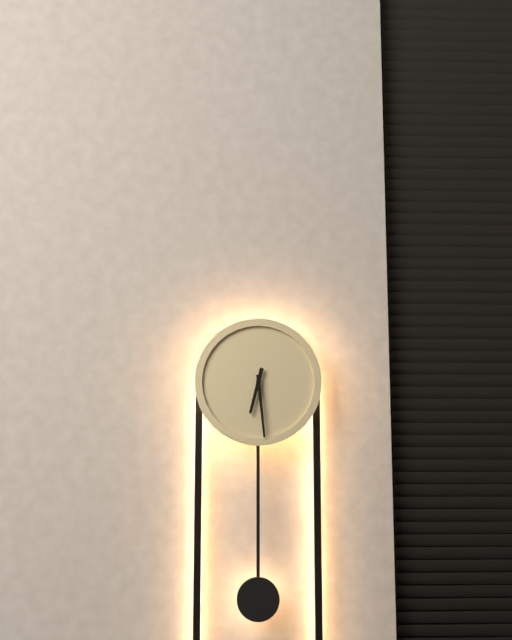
6:29
